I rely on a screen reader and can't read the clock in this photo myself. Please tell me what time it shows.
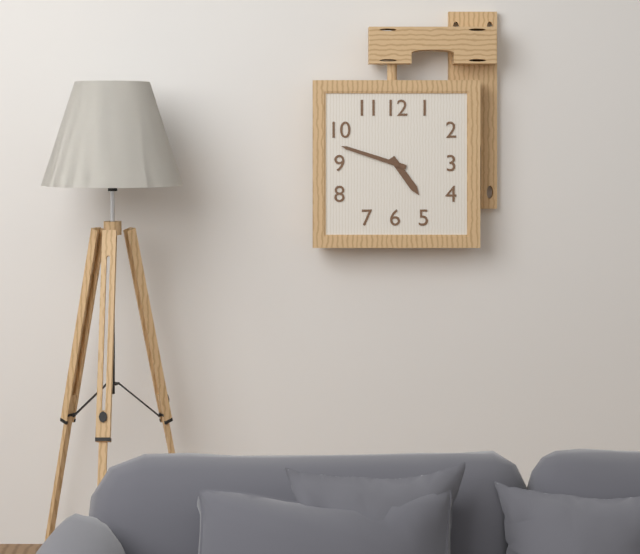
4:48
